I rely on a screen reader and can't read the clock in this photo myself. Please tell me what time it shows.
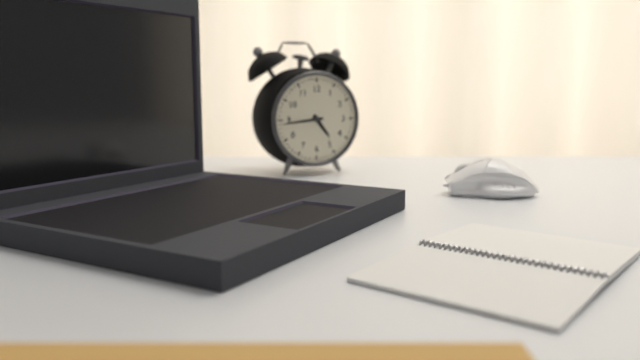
4:44
